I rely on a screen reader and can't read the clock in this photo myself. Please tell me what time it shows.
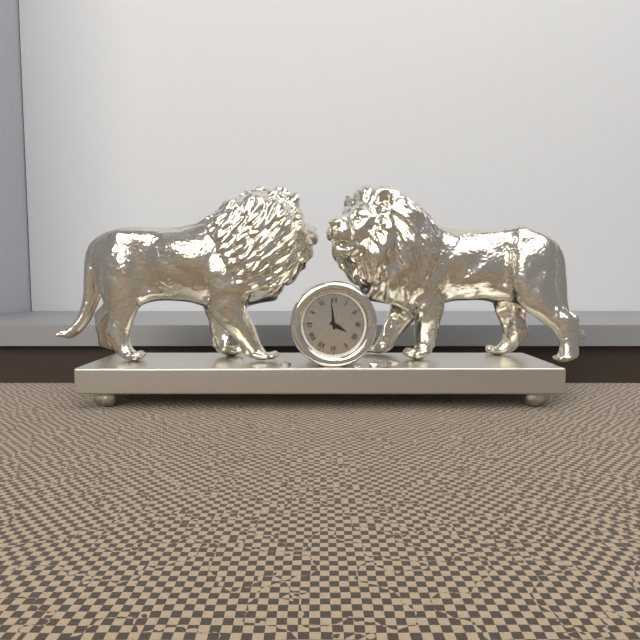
3:59
